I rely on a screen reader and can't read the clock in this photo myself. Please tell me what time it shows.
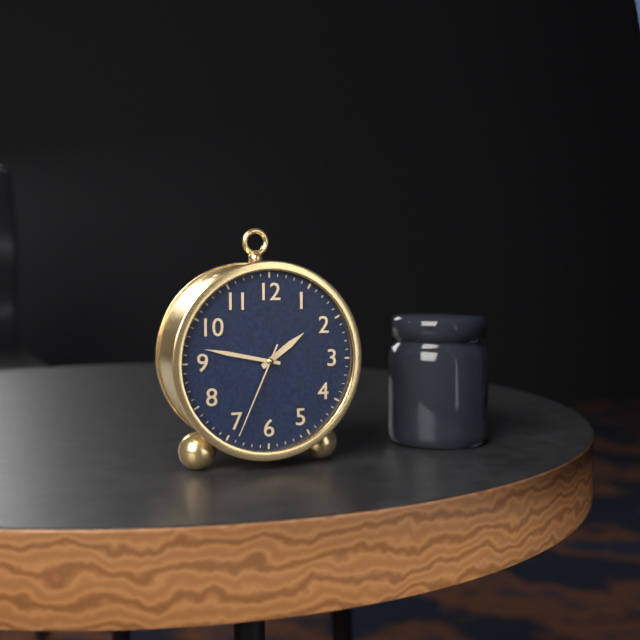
1:47:34
